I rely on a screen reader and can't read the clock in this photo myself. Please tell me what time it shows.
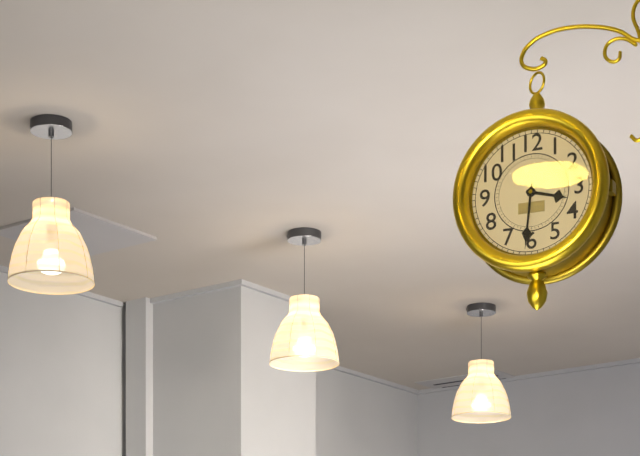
3:31
